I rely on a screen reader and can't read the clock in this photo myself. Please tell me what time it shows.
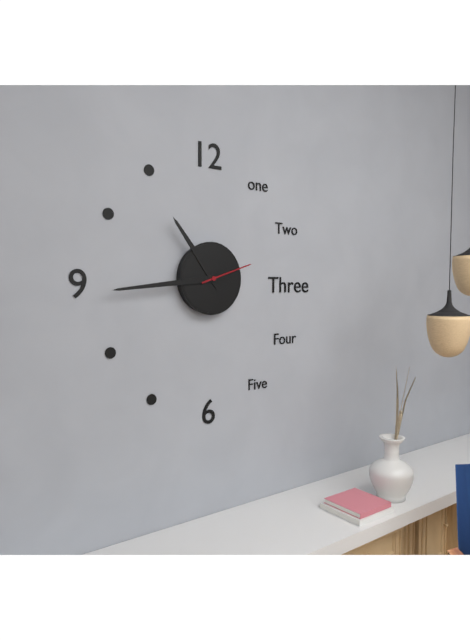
10:44:12
